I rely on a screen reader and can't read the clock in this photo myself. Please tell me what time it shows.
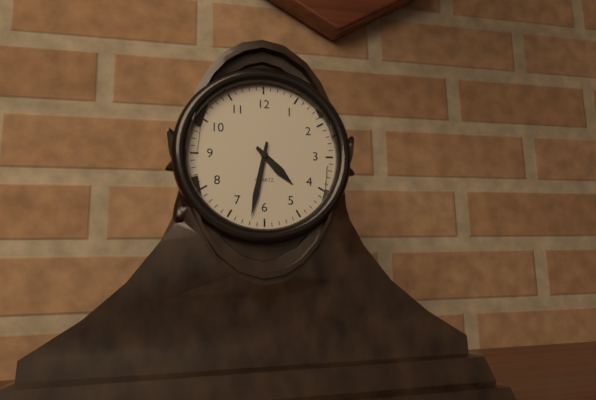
4:32
